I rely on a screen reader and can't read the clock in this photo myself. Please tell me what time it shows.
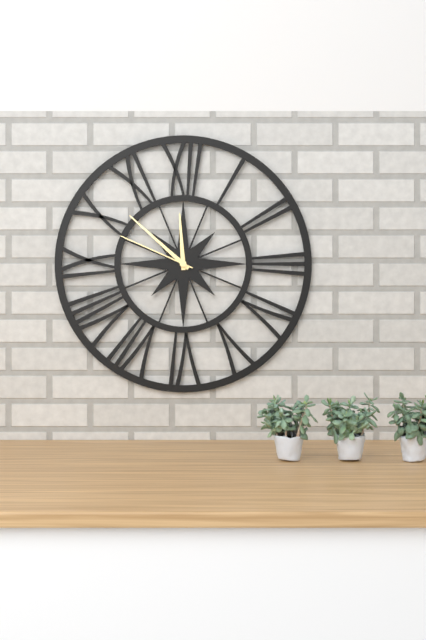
11:52:49
